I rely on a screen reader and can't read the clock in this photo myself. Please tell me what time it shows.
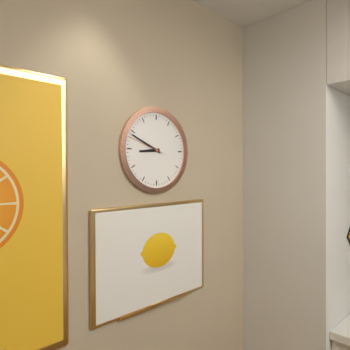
8:49
